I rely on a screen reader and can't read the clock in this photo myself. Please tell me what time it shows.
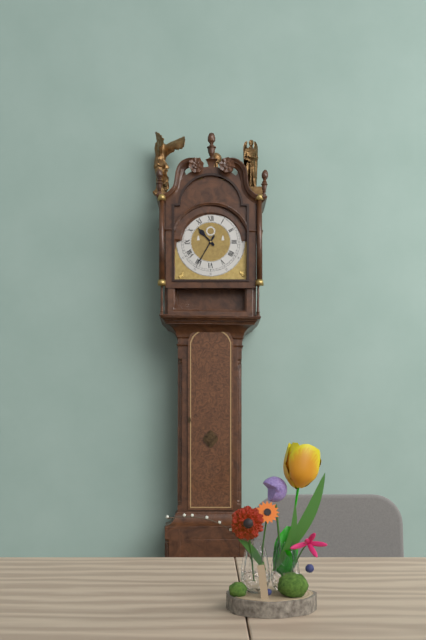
10:35
